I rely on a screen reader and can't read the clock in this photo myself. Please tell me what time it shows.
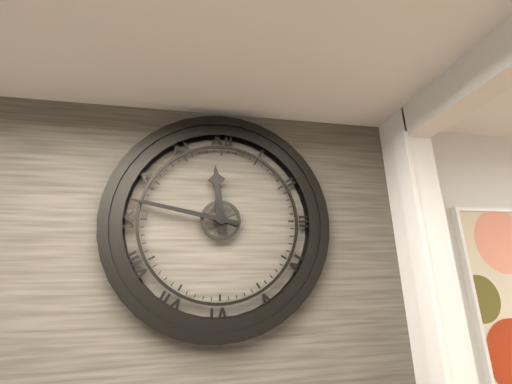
11:47
